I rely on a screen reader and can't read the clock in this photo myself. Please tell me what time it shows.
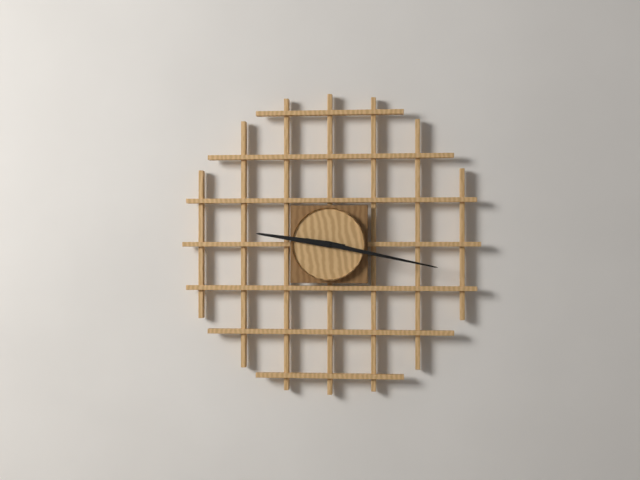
9:17
